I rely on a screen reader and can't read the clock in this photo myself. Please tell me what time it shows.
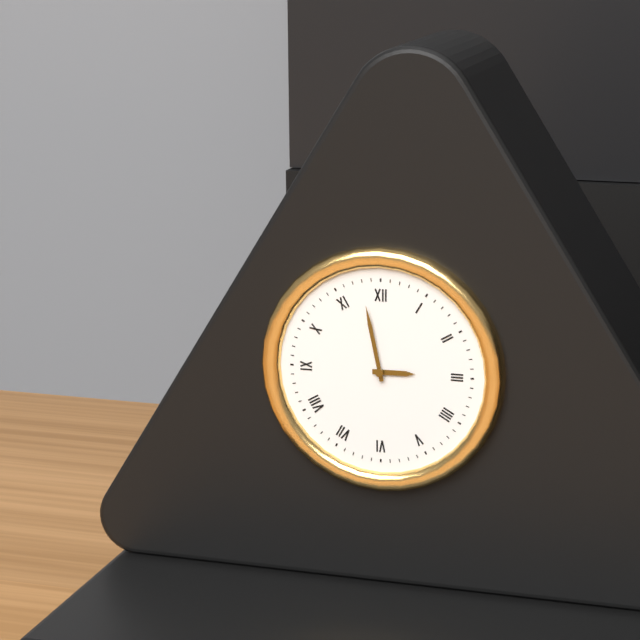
2:58
